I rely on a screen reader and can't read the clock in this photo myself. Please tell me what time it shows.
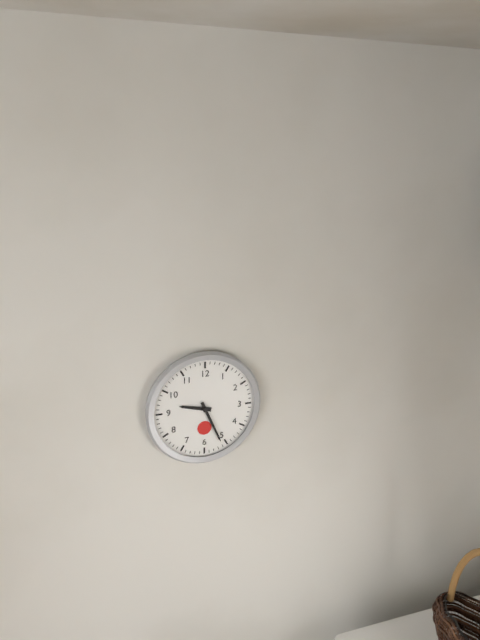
9:26
